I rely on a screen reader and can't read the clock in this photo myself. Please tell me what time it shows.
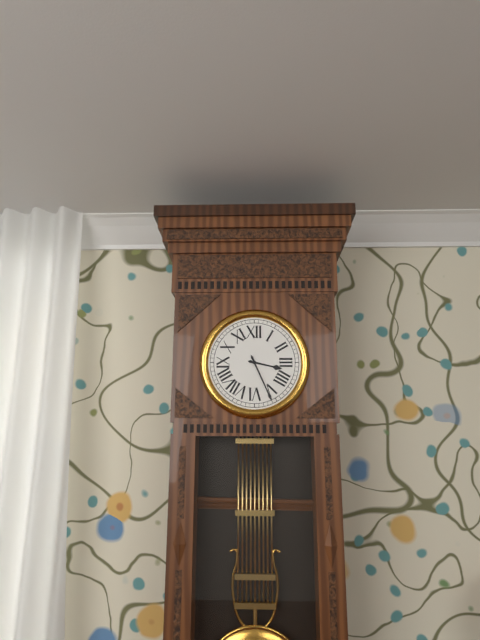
3:26
